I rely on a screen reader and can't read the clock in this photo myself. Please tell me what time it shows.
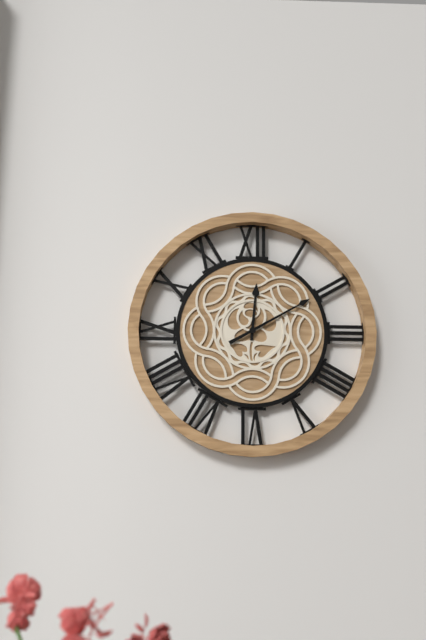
12:10
